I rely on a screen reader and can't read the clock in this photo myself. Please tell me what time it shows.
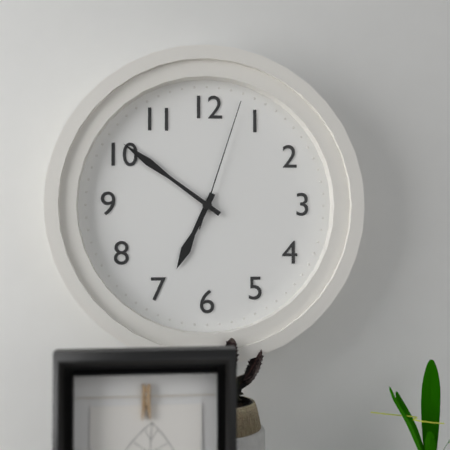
6:51:03
